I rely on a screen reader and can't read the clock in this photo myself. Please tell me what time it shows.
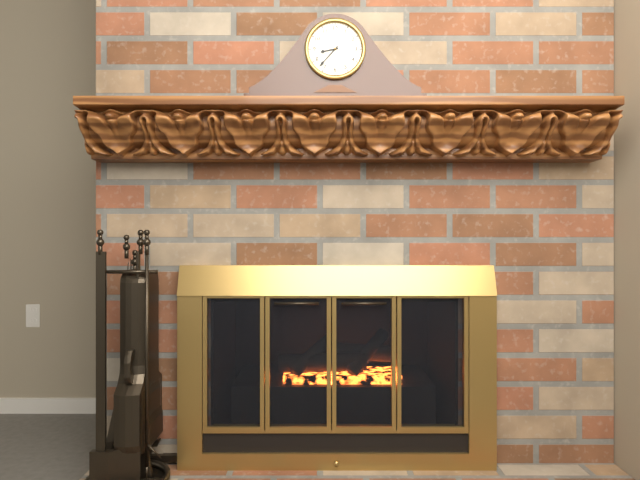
8:37
